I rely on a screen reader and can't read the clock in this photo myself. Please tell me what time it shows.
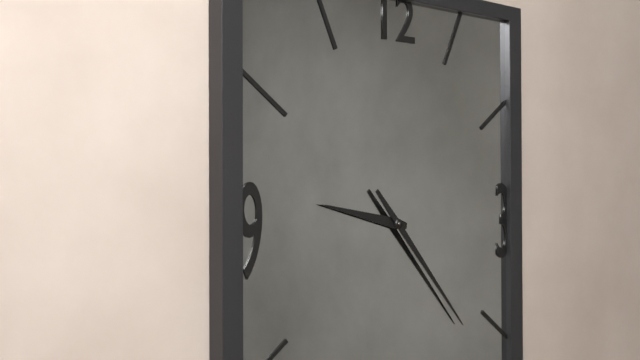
9:23
